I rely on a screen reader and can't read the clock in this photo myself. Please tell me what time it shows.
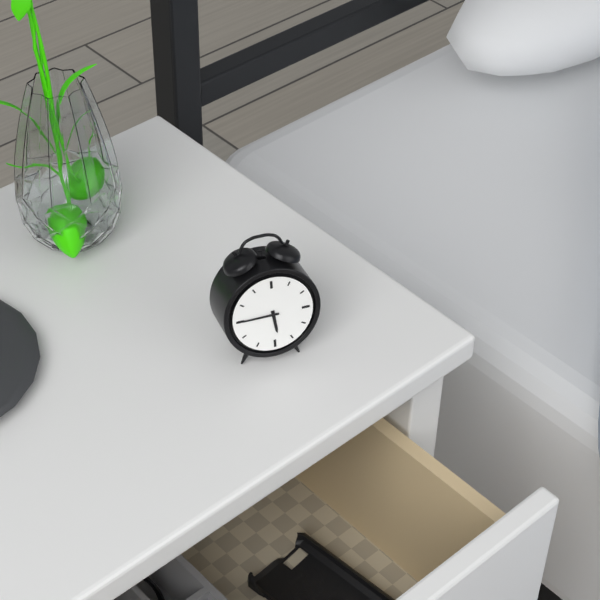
5:45
